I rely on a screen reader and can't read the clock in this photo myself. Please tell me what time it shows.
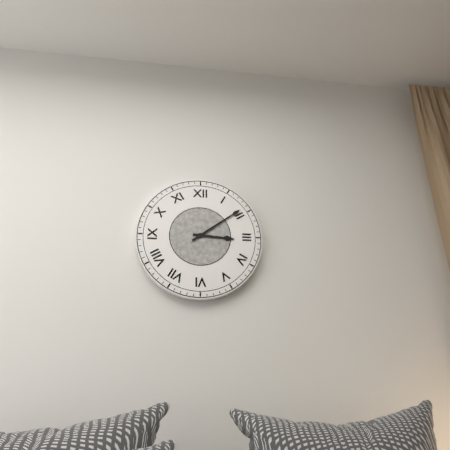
3:09
